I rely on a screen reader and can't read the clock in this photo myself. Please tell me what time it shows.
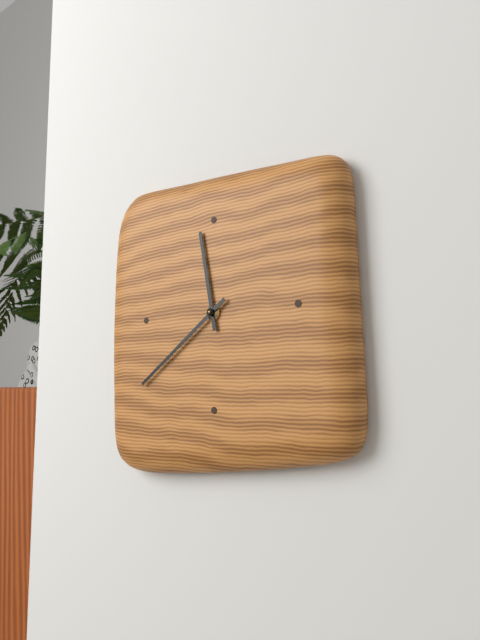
11:39
